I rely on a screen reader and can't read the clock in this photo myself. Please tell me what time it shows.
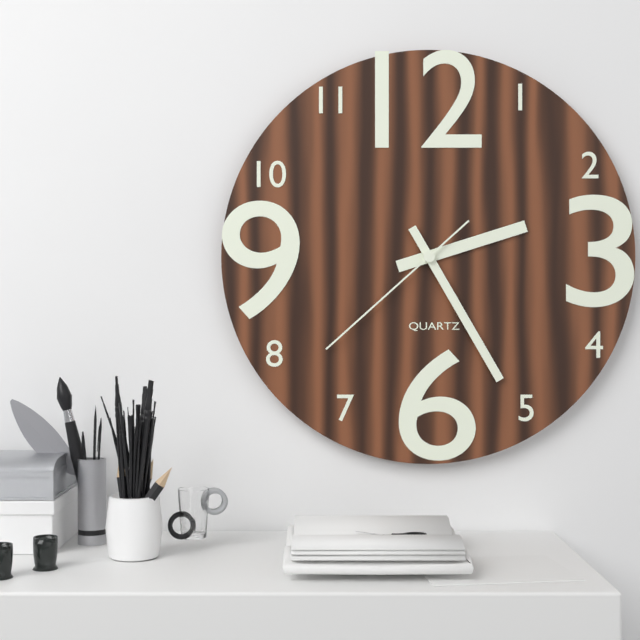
2:25:38
